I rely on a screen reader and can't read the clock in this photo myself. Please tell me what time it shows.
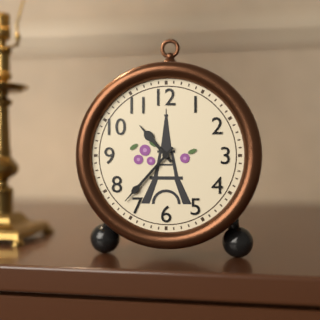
10:37
